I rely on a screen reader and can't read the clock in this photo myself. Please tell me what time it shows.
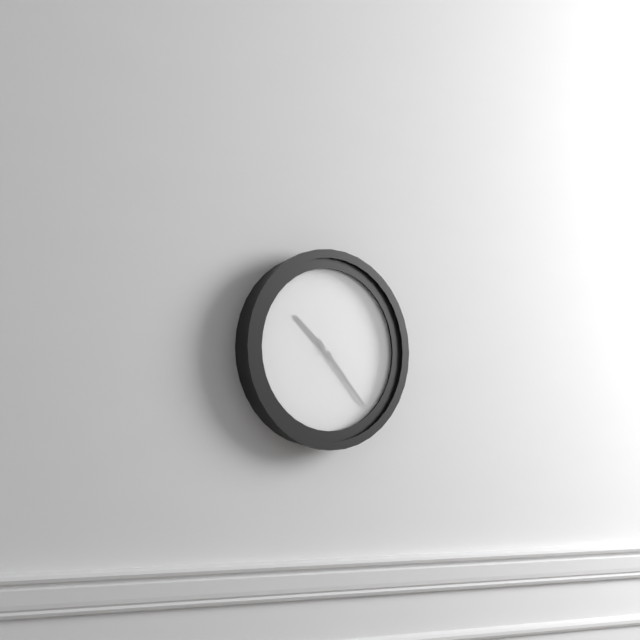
10:23
